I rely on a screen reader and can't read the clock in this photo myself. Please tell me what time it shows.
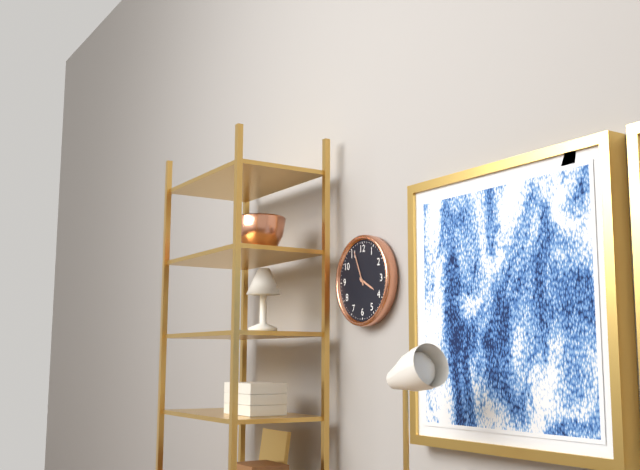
3:56
